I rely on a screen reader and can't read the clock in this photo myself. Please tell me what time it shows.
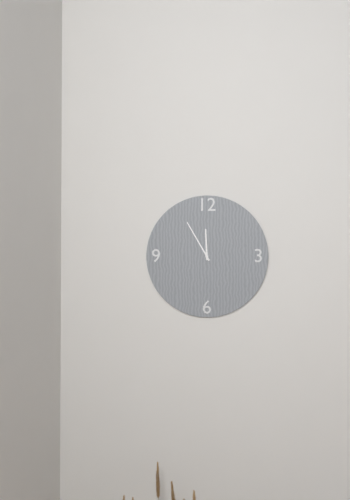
11:55
